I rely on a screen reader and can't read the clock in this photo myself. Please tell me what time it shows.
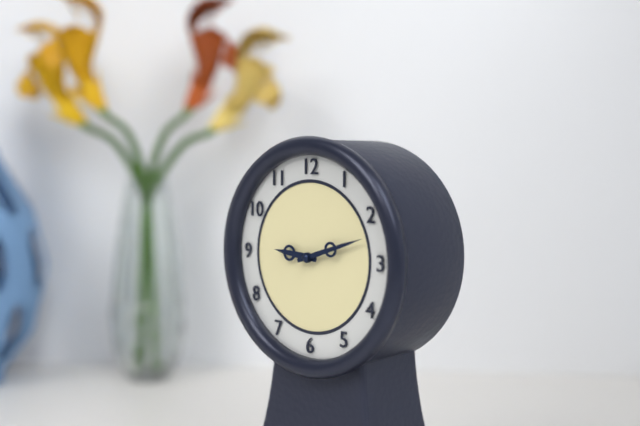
9:12
